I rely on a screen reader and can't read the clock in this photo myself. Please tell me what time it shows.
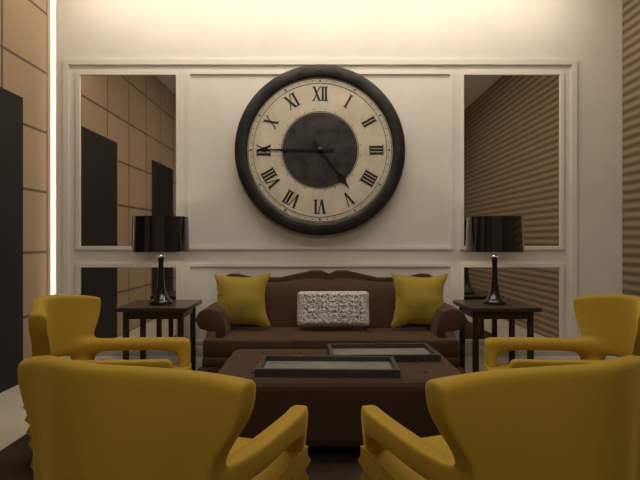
4:45
